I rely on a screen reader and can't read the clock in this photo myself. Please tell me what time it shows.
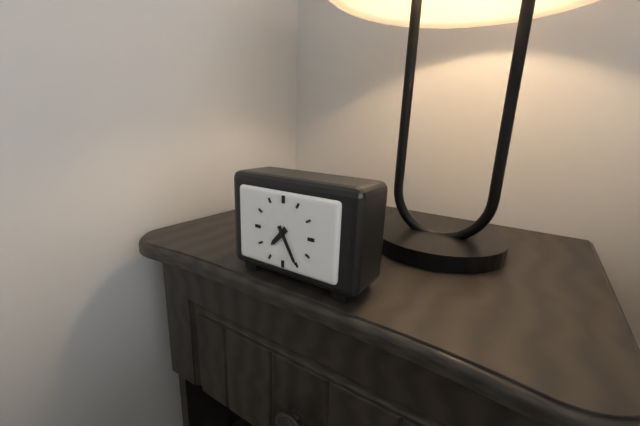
7:25
